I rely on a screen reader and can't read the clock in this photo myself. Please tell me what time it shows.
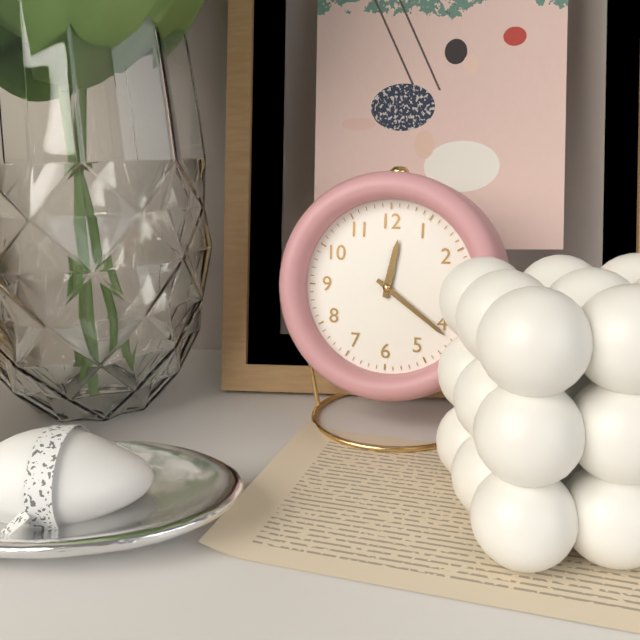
12:21
